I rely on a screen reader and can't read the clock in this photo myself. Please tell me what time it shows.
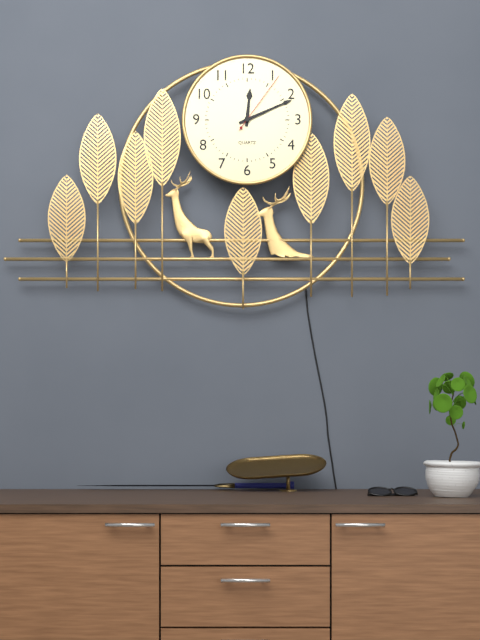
12:11:06
